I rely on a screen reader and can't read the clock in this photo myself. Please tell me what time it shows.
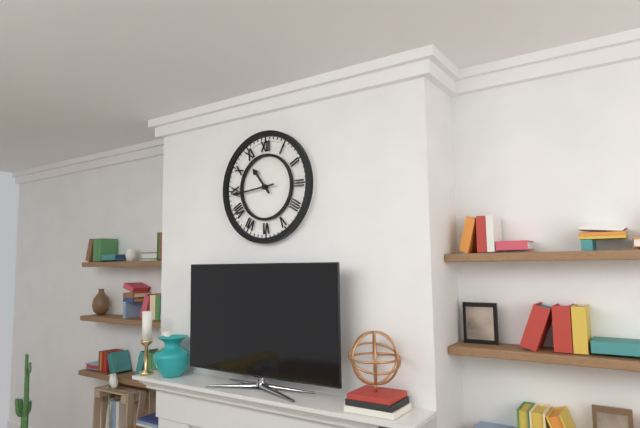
10:44
